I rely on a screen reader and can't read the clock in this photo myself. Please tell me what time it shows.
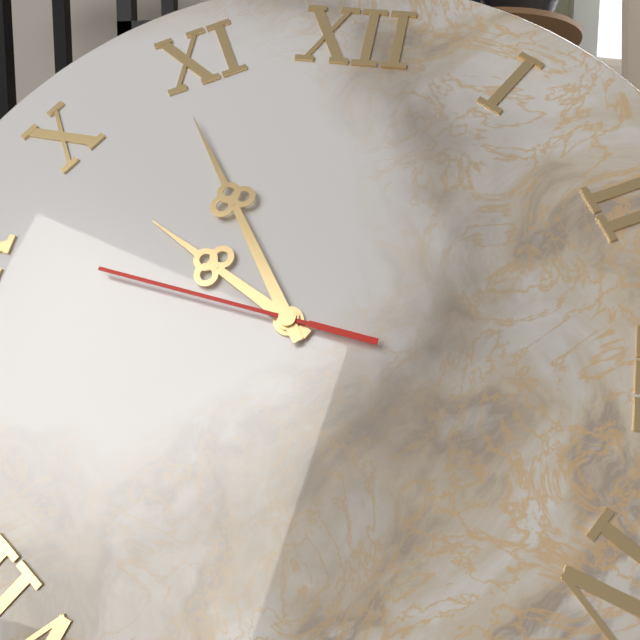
9:54:46
